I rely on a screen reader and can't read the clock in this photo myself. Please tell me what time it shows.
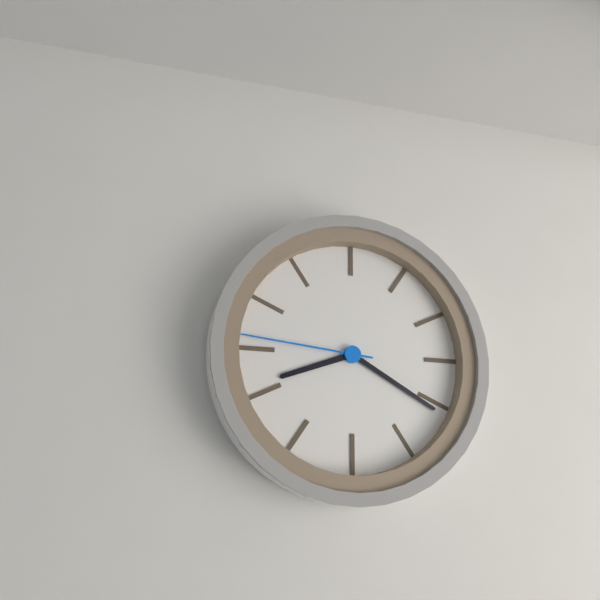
8:20:46
